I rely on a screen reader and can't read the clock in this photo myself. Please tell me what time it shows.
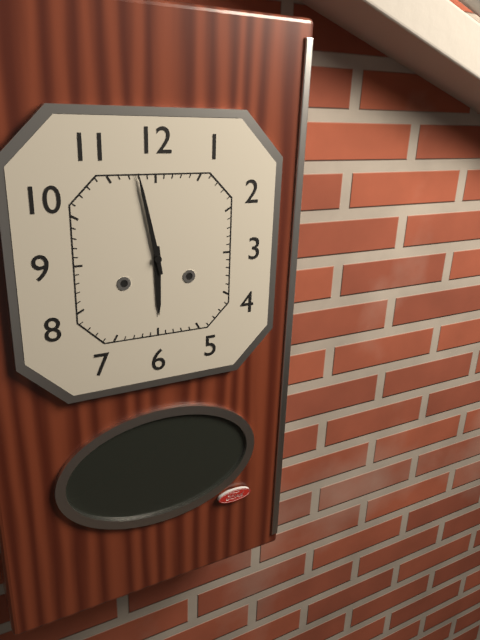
5:58
